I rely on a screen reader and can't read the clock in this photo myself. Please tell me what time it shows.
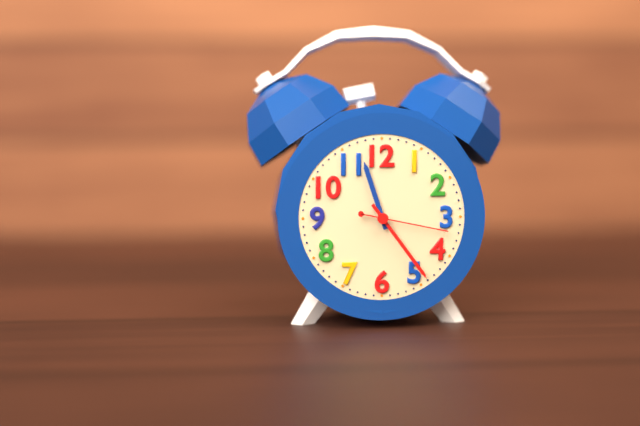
11:24:17
